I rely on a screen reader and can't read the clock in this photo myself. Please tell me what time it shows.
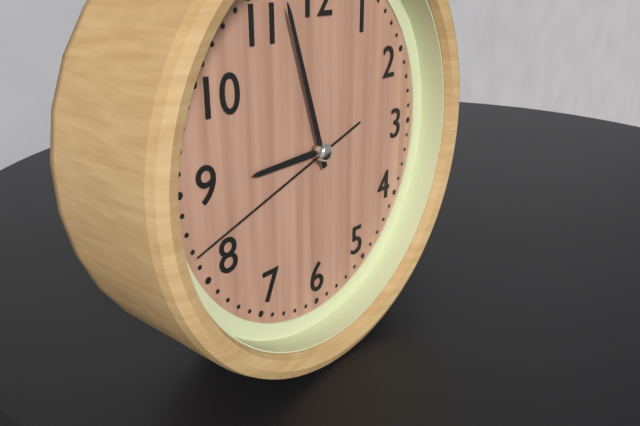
8:57:42
